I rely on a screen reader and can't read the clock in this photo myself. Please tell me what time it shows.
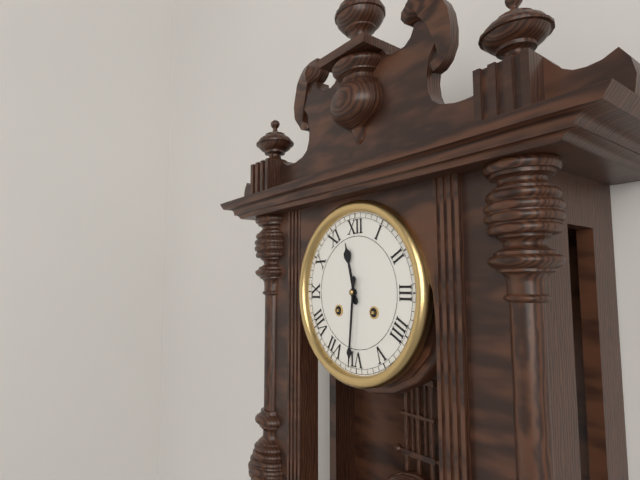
11:31
